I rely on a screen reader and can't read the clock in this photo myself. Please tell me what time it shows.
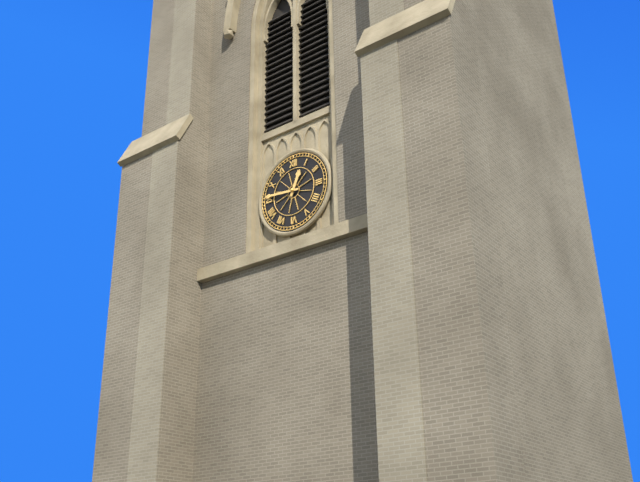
12:46
